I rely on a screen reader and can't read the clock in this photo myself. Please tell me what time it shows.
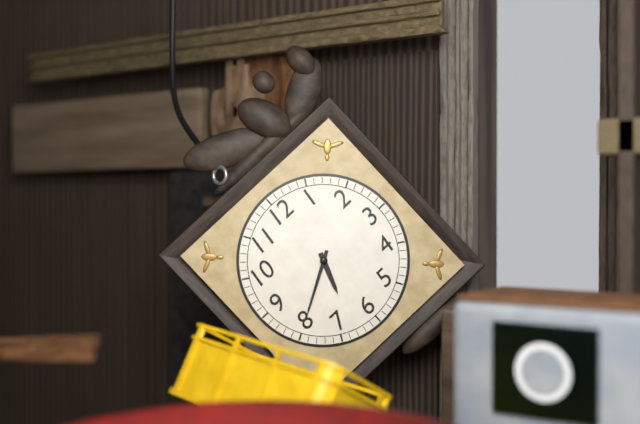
6:40
